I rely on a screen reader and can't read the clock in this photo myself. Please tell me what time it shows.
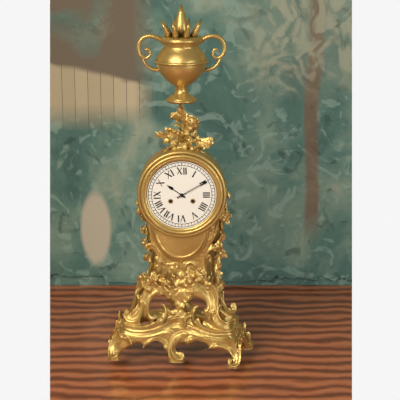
10:10
